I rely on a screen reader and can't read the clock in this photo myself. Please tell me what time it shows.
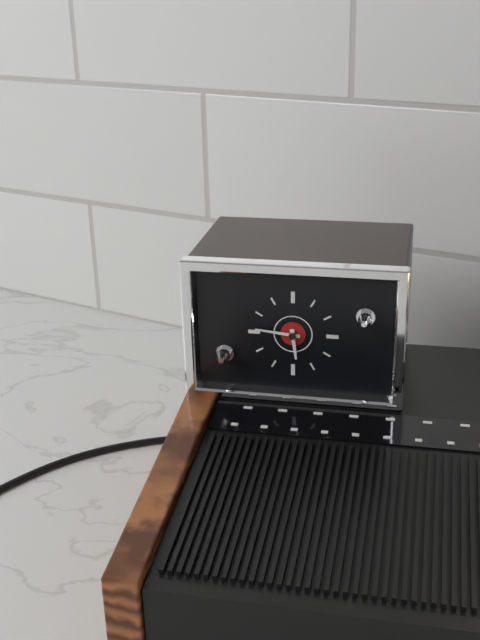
5:46
